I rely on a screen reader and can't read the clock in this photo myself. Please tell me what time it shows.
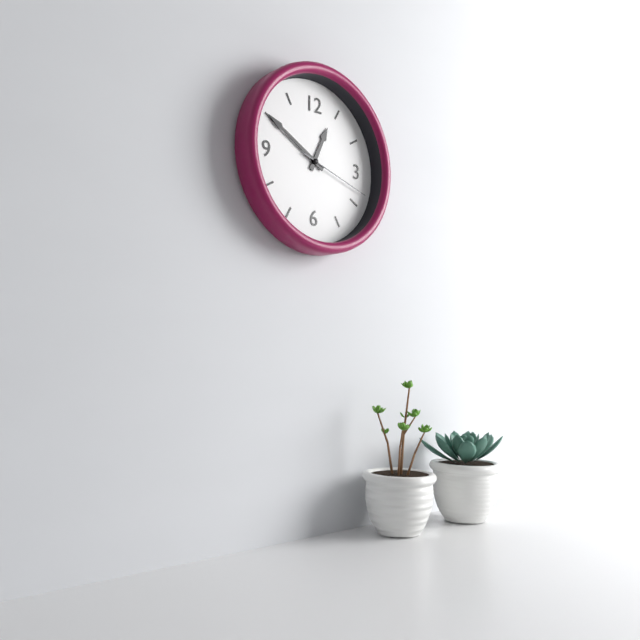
12:50:18
